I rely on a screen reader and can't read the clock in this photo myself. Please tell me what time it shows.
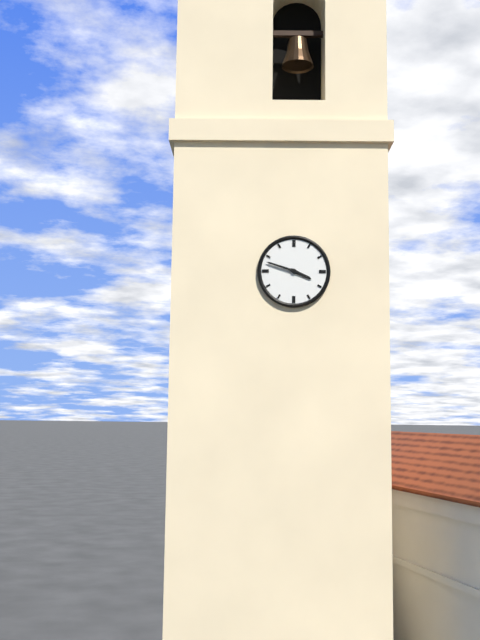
3:48
